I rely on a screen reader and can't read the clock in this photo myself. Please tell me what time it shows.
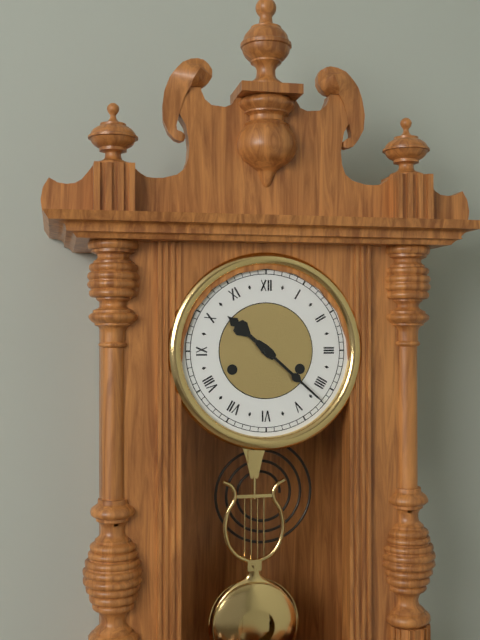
10:22
